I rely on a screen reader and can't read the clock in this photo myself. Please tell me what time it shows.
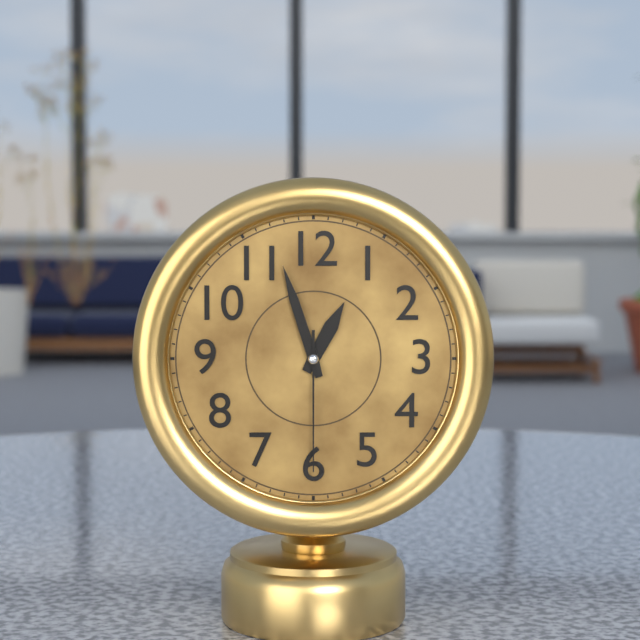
12:57:30
